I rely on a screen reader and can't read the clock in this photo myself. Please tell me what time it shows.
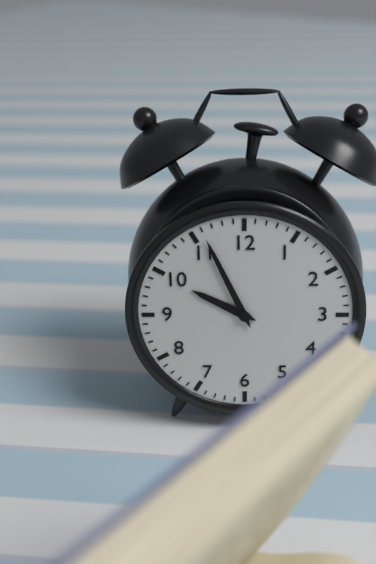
9:56
